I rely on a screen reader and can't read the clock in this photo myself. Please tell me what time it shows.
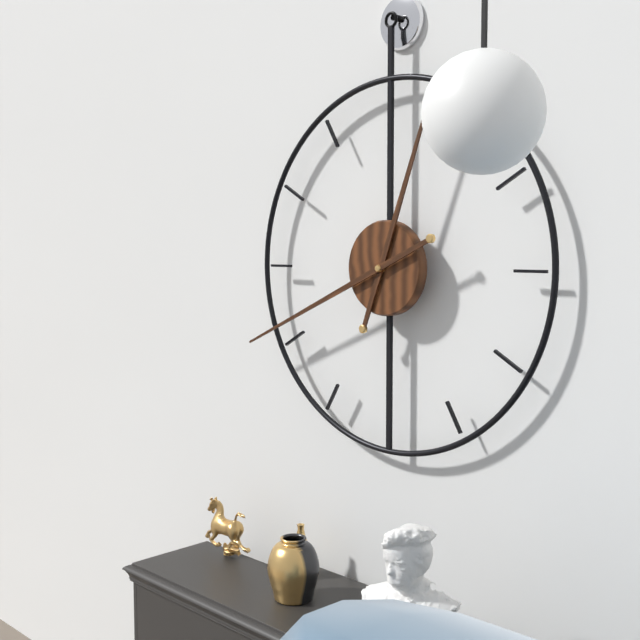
12:41
